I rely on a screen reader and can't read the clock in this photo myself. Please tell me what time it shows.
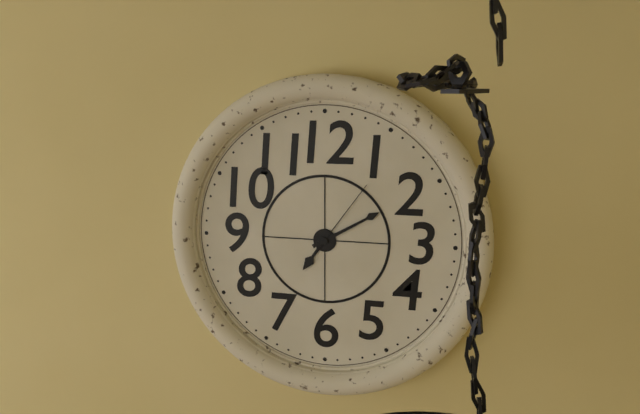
7:10:06
